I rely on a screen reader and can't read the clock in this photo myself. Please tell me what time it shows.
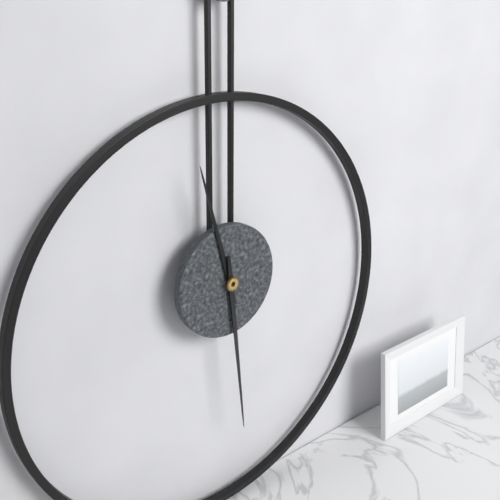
11:29
